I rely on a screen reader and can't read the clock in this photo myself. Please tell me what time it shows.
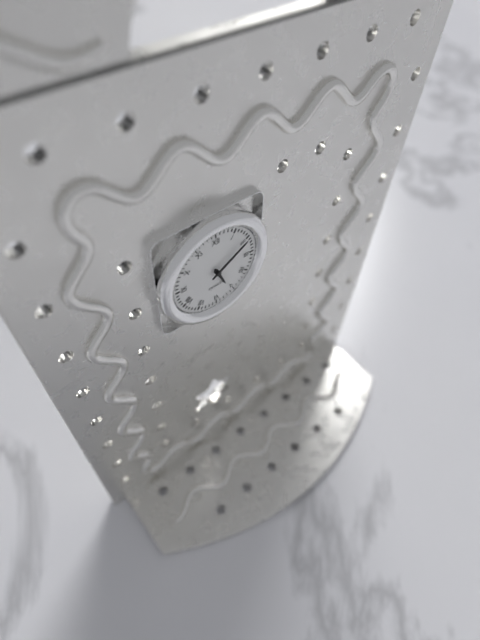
5:10
